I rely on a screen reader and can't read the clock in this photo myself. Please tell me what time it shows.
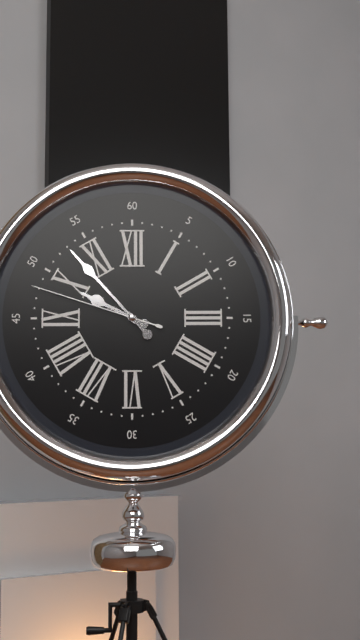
9:53:48
